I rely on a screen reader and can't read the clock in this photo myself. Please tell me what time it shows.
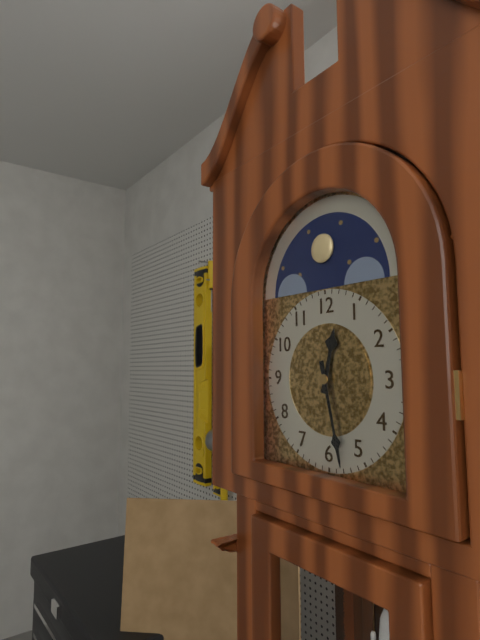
12:28
